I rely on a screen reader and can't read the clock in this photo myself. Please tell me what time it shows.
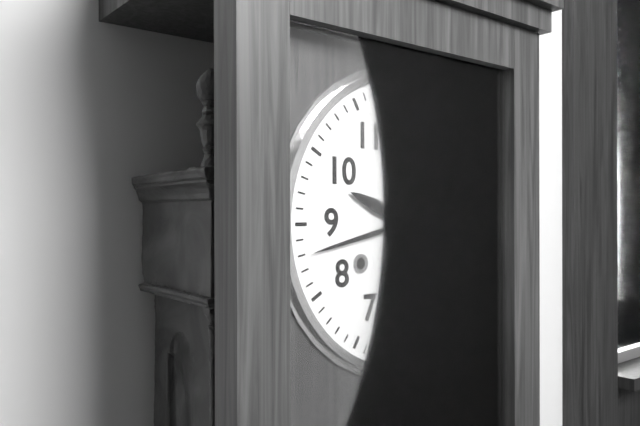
9:43
